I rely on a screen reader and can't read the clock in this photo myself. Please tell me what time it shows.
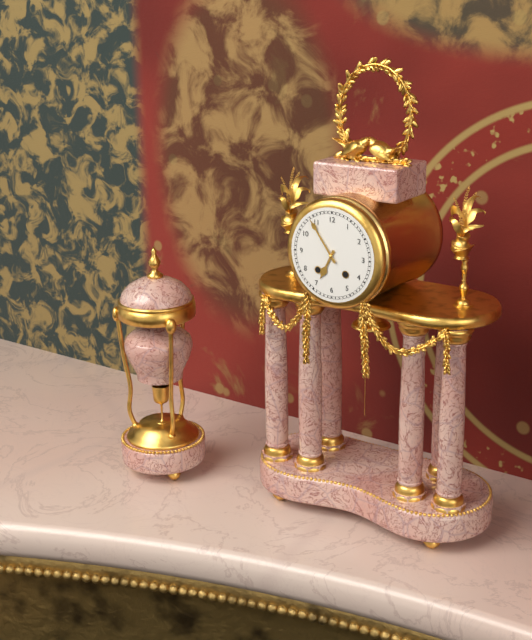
6:54
